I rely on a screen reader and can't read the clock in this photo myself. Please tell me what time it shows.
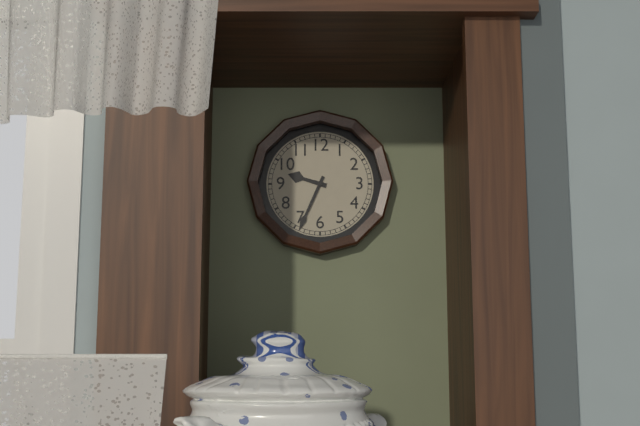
9:34
